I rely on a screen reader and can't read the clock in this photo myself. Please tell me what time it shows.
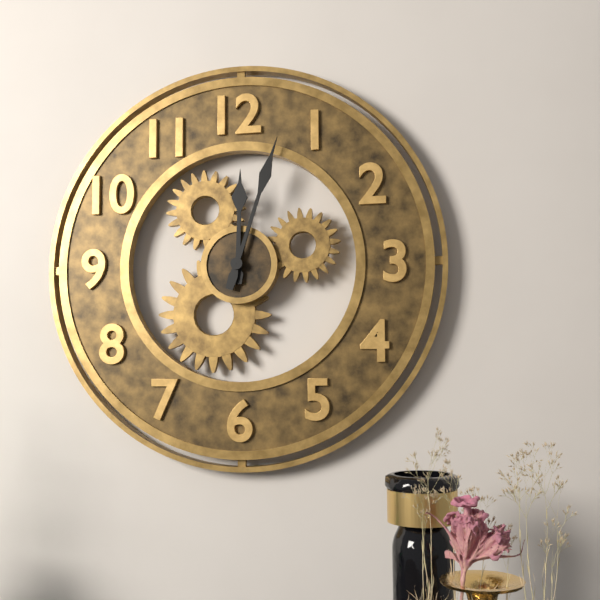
12:03
